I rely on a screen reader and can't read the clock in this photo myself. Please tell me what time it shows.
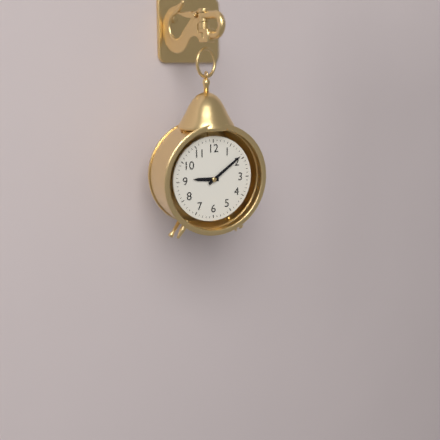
9:09
